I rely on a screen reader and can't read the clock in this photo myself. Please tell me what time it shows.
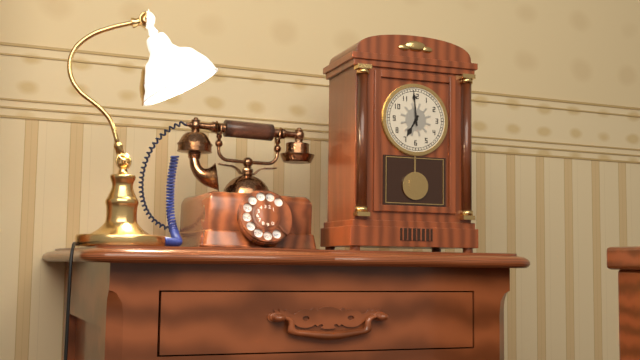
6:59
